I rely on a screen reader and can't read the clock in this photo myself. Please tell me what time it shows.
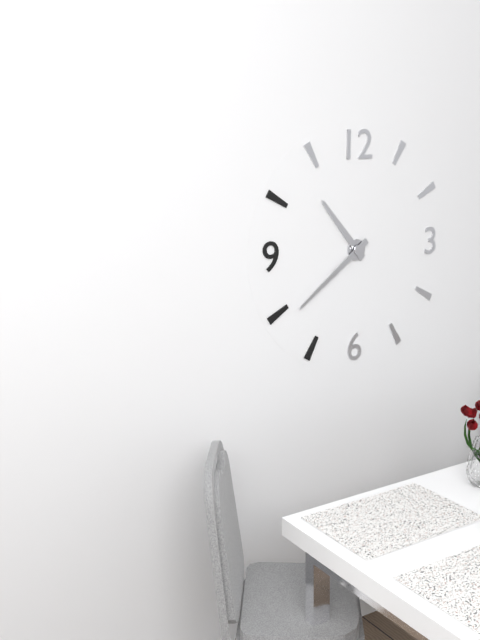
10:39
